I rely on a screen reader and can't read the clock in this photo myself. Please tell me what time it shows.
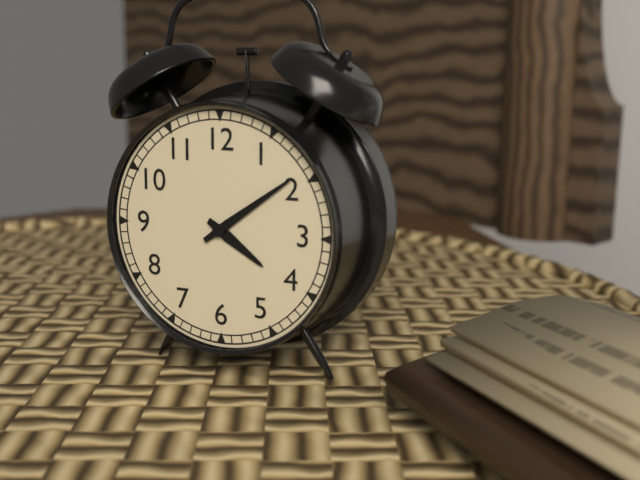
4:09
